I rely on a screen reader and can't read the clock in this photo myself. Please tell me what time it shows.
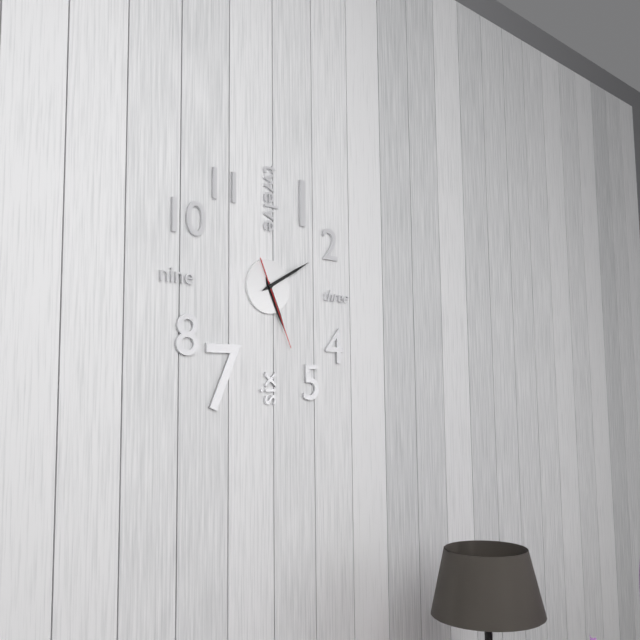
5:10:26
